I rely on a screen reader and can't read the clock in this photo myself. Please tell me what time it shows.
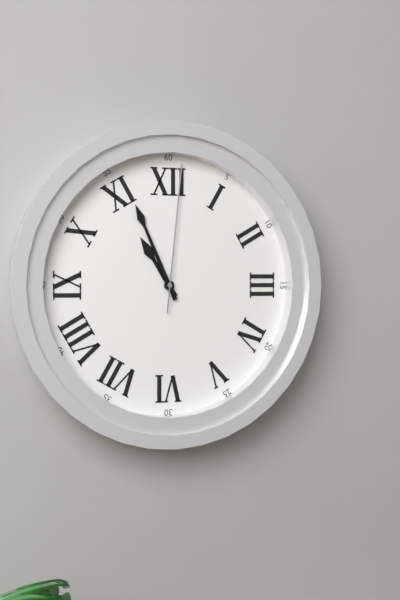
10:56:01
